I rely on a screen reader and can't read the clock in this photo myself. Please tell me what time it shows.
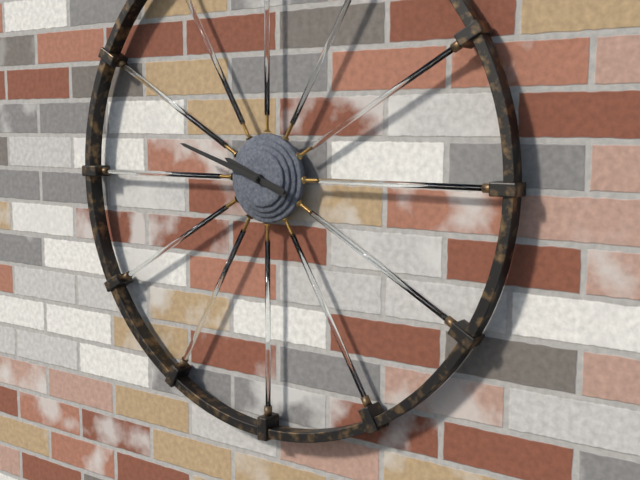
9:48
